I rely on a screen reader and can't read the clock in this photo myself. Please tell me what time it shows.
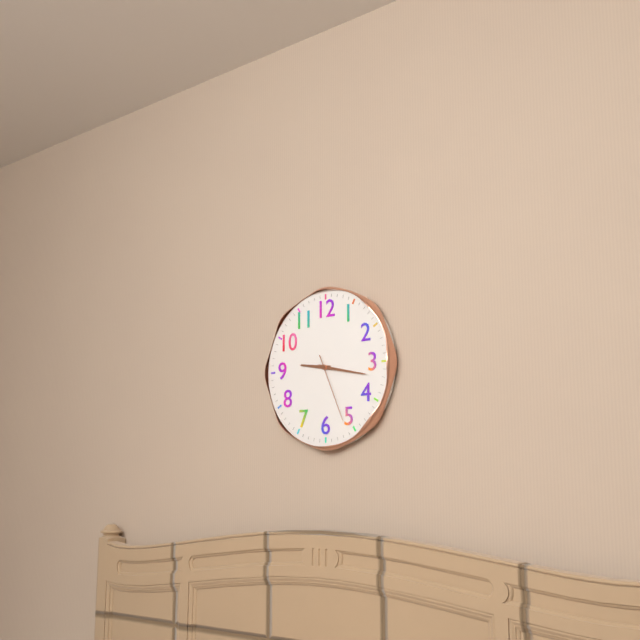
9:17:26
